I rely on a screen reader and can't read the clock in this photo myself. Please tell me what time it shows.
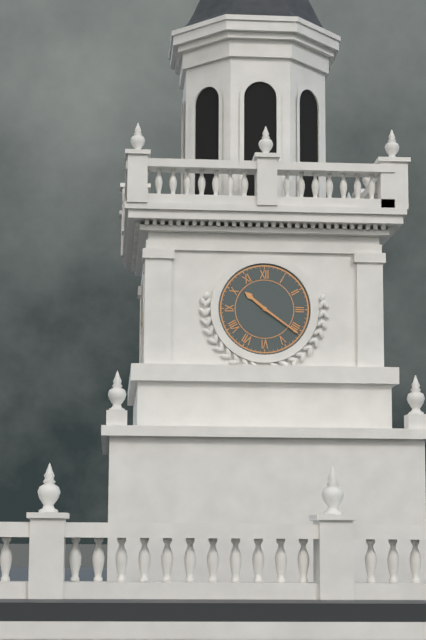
10:21
